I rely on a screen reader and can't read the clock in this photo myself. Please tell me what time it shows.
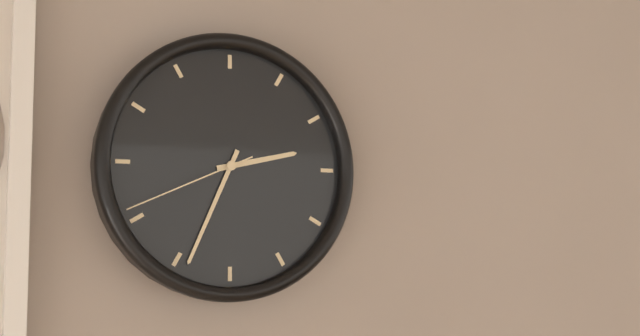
2:34:41
